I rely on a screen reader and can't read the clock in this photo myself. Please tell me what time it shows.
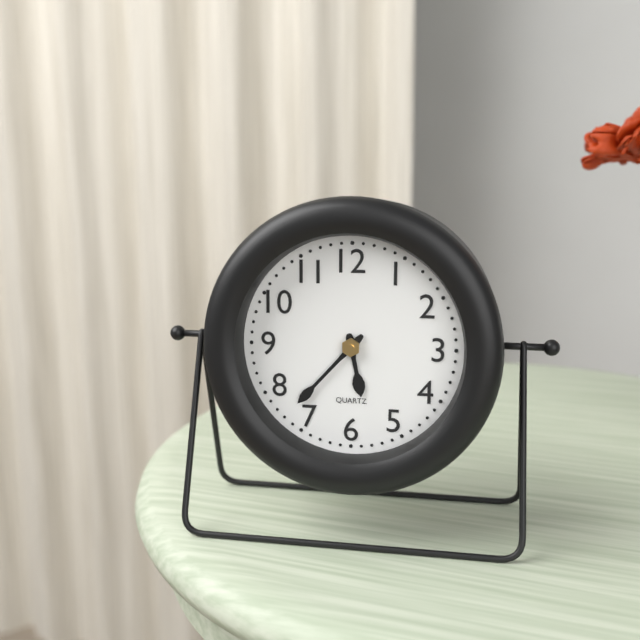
5:37
